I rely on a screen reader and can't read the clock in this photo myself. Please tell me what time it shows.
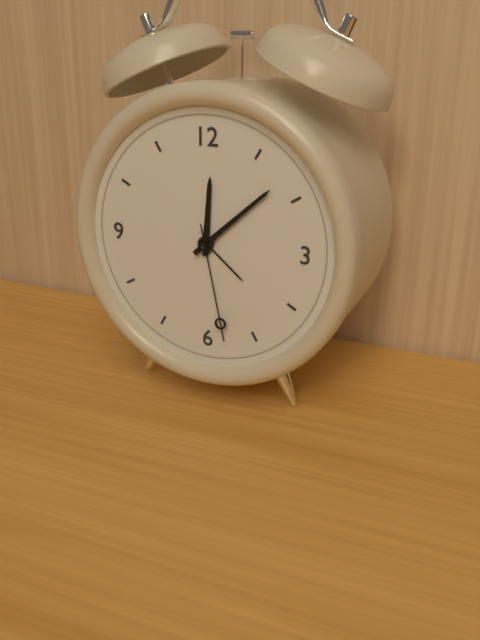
12:08:28
